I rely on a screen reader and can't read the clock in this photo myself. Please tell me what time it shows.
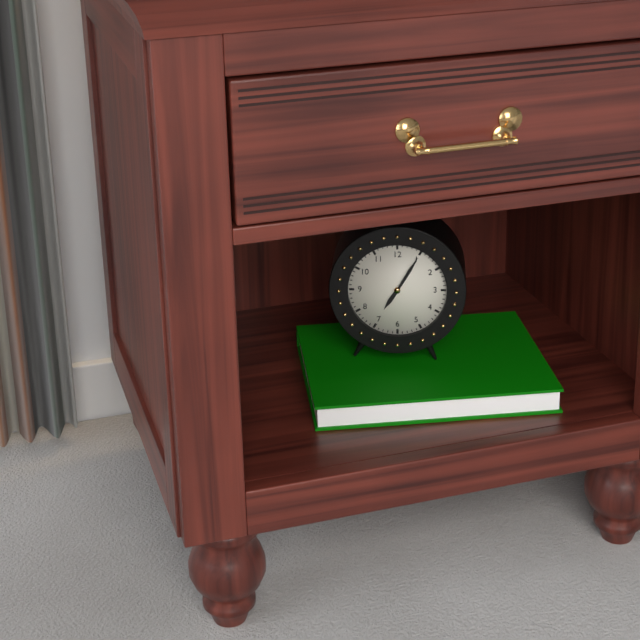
7:05
